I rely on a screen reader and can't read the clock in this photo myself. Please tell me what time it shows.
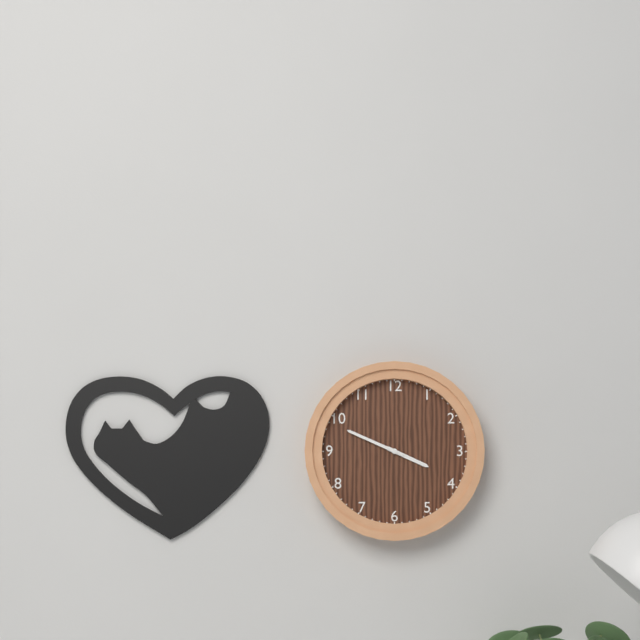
3:49
